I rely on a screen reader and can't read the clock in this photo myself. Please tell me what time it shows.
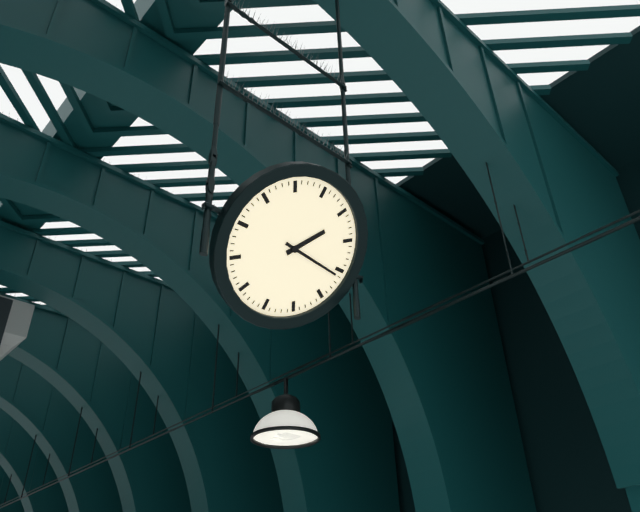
1:16
